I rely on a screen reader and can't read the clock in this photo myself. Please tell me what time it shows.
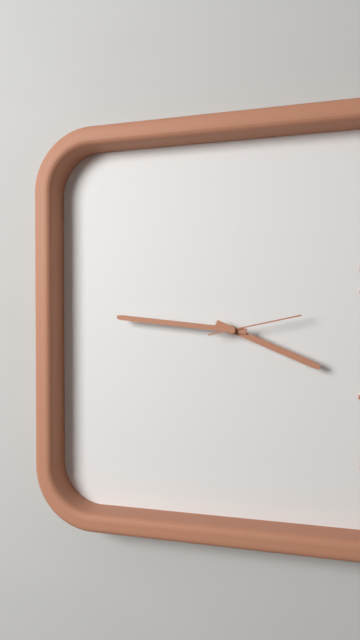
3:46:13
